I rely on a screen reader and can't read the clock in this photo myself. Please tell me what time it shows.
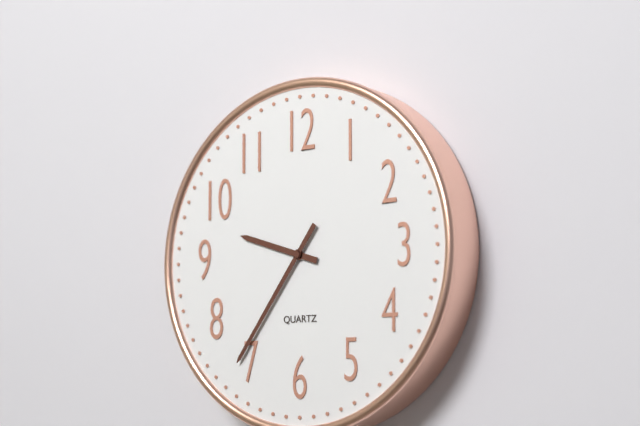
9:36
